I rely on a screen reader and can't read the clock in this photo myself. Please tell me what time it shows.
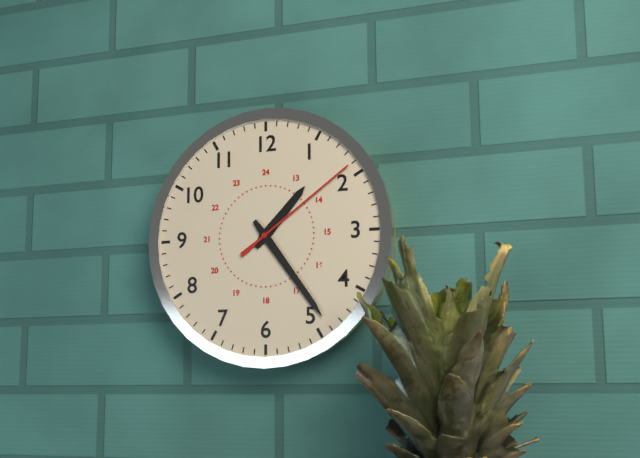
1:24:09
